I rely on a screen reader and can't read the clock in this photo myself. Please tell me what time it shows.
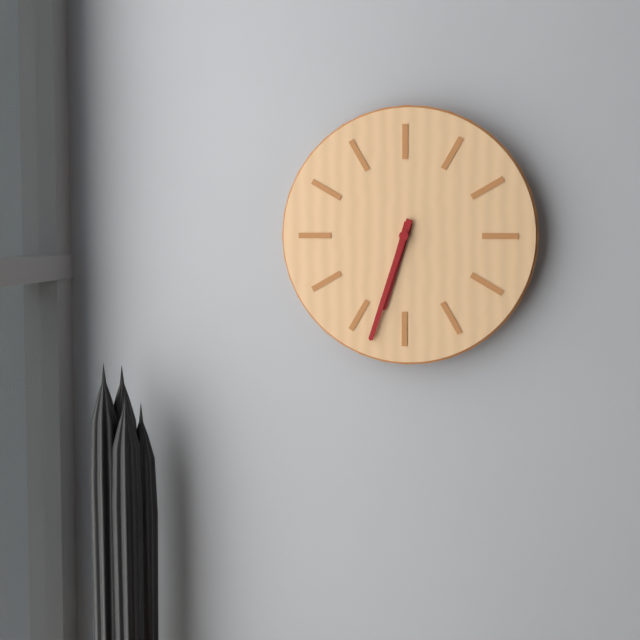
6:33
